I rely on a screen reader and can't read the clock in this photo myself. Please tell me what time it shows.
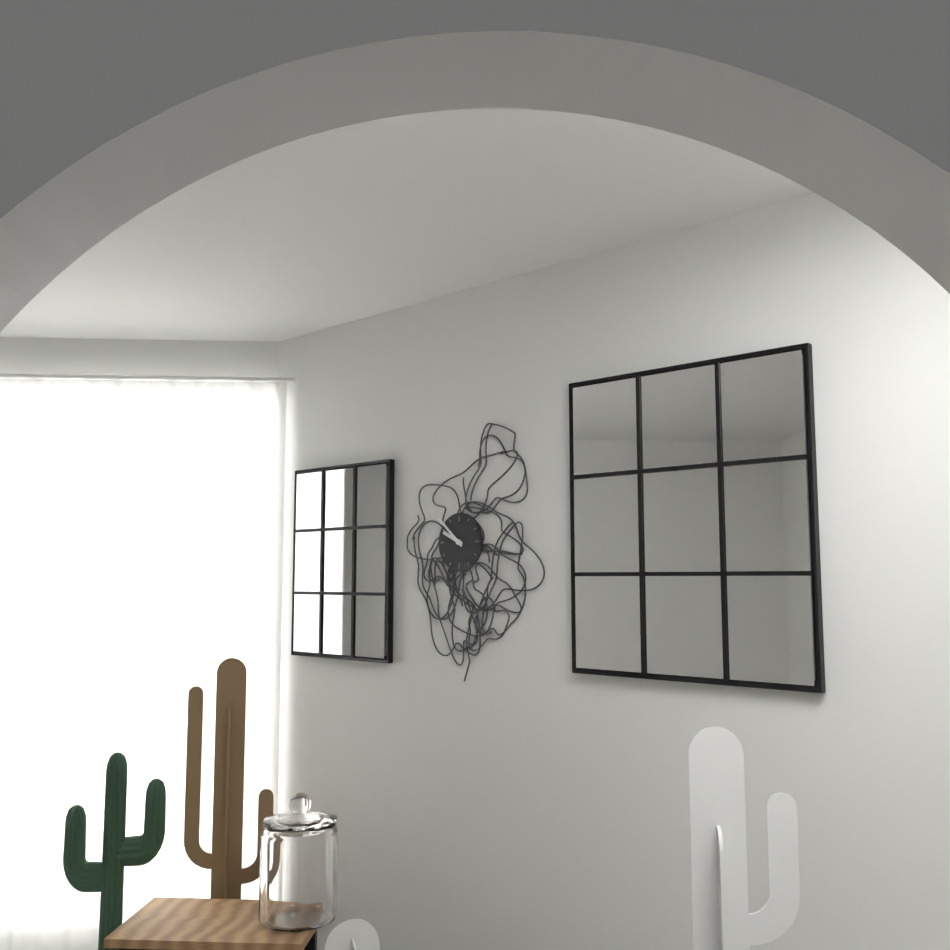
9:52
